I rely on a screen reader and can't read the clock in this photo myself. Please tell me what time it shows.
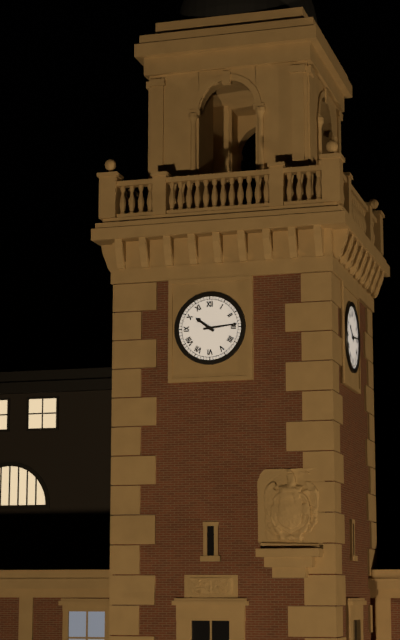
10:14
